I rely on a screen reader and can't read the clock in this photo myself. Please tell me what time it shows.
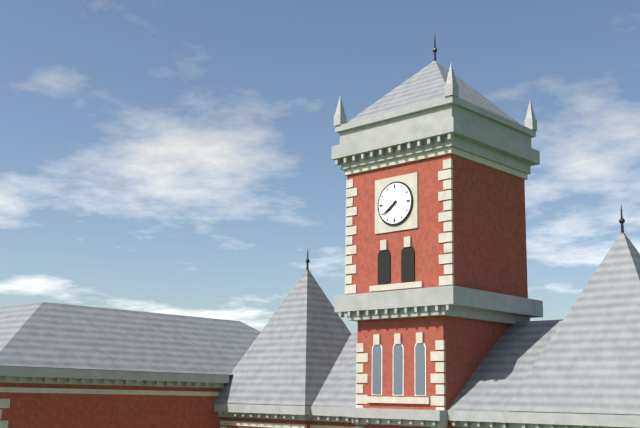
7:39
